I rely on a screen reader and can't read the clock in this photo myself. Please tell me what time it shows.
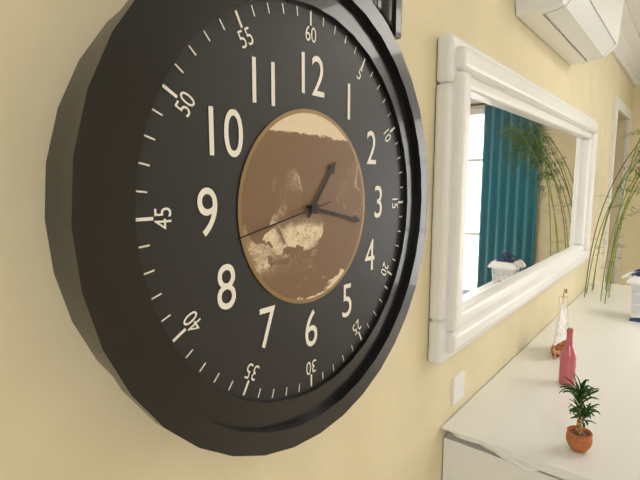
1:17:43
